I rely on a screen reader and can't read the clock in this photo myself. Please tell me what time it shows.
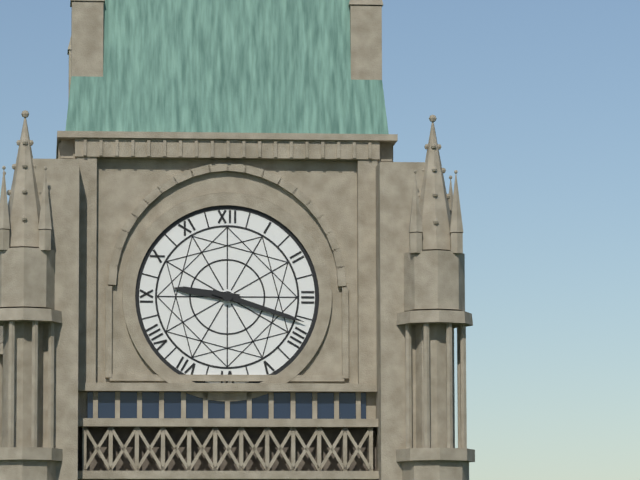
9:18
